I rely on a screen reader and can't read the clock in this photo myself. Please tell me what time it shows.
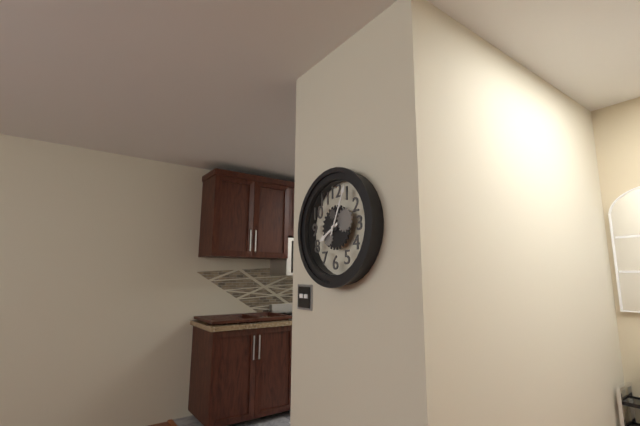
8:04
